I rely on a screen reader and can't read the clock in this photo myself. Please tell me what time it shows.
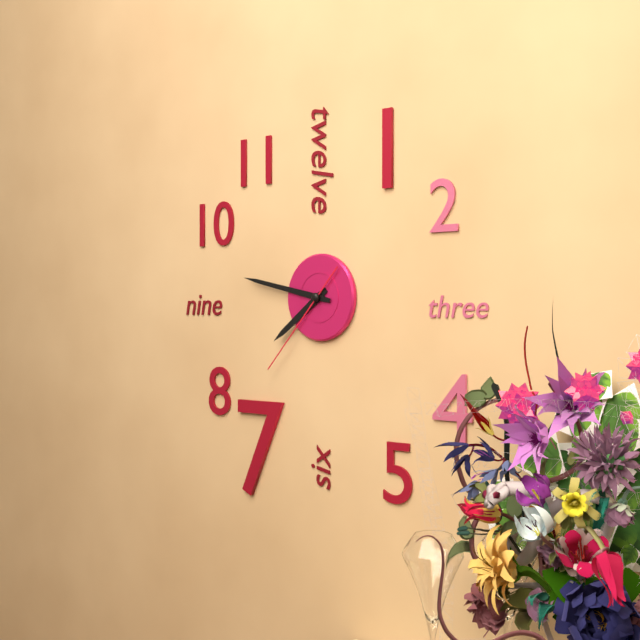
7:47:37
